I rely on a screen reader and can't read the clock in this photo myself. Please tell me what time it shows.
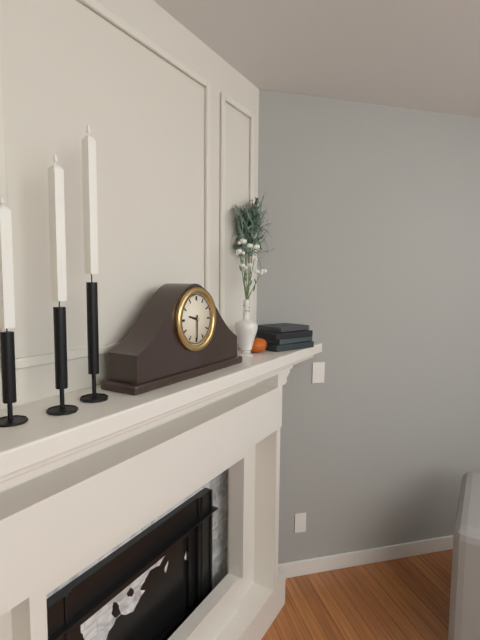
9:30
